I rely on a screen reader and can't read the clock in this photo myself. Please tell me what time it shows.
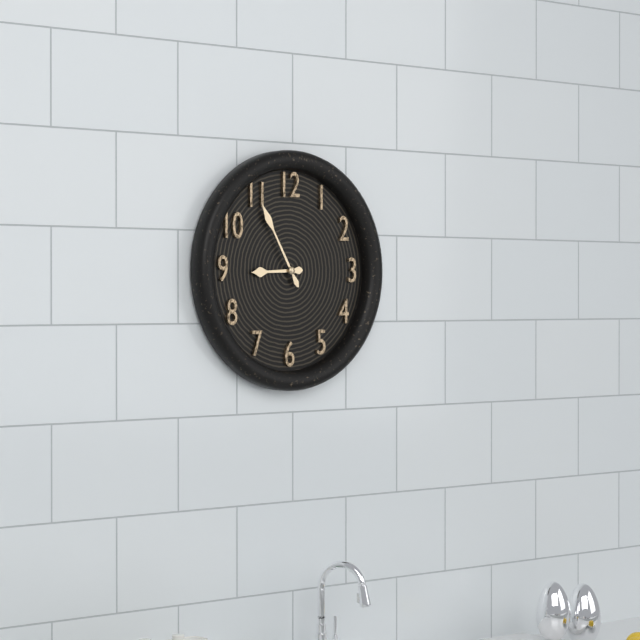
8:55
